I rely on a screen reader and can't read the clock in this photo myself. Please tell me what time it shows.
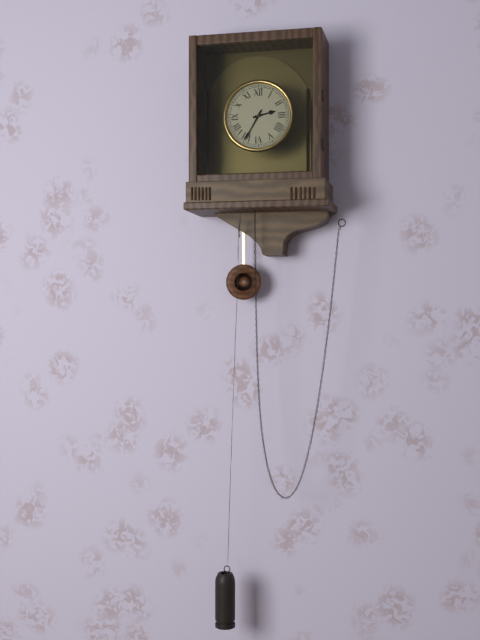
2:35
